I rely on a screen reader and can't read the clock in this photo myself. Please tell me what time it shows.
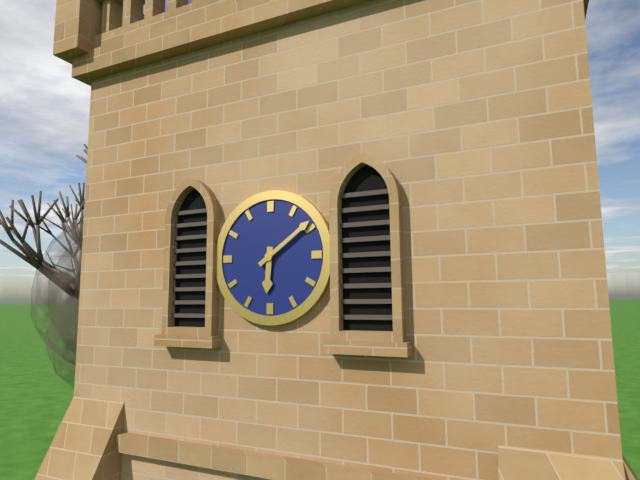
6:09
